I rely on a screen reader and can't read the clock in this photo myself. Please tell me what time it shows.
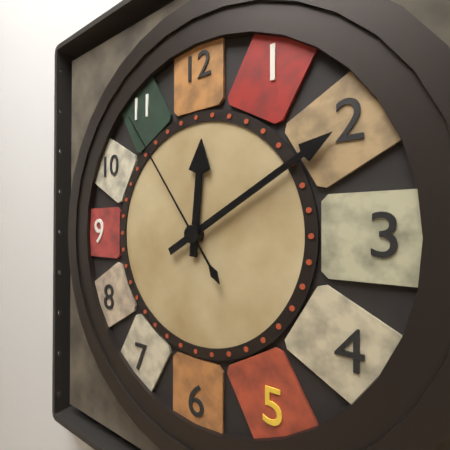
12:10:54
